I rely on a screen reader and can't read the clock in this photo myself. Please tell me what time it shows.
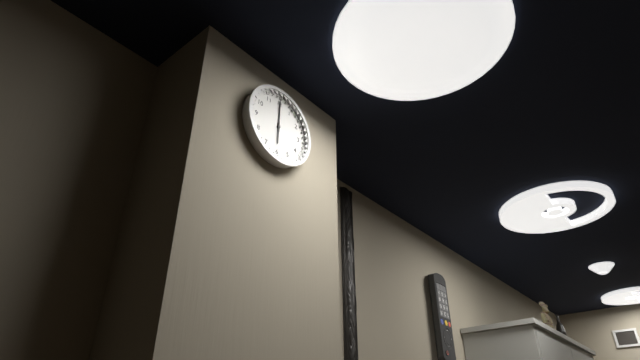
6:00
